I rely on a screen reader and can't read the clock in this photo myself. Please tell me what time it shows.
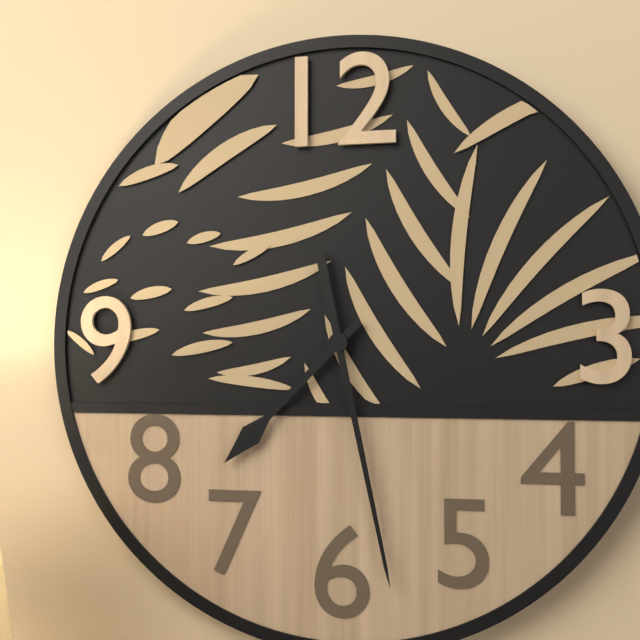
7:28
